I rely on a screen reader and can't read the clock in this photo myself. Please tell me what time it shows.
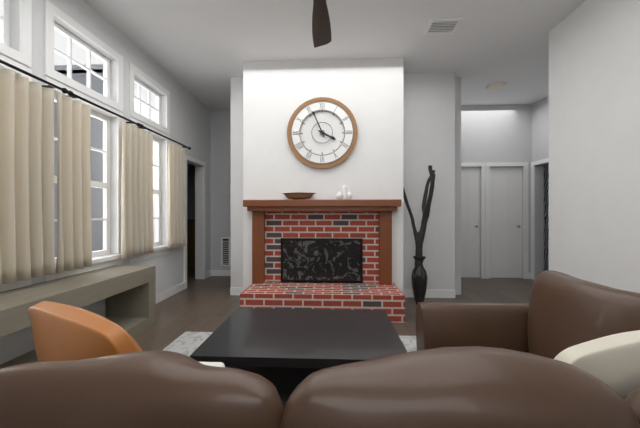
3:56
